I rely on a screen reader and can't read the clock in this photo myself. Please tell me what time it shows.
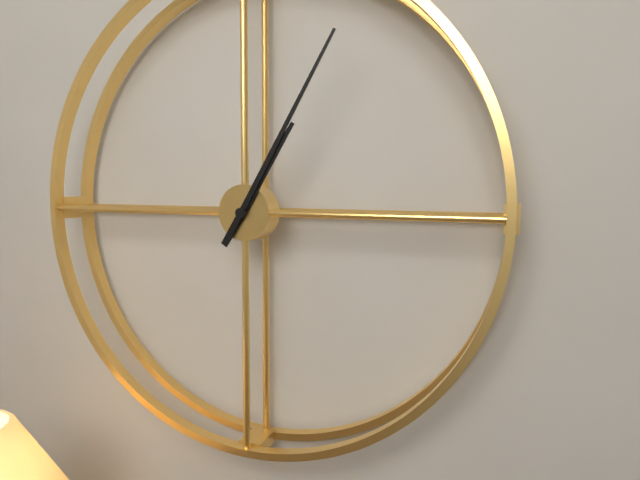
1:05
